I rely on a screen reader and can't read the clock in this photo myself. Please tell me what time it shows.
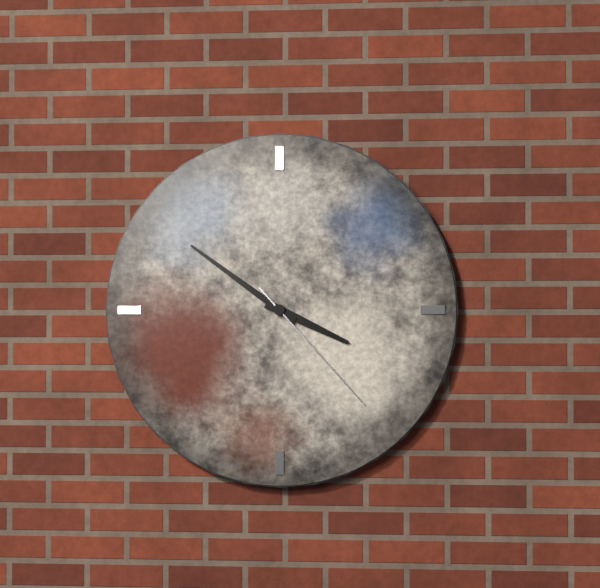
3:51:23
